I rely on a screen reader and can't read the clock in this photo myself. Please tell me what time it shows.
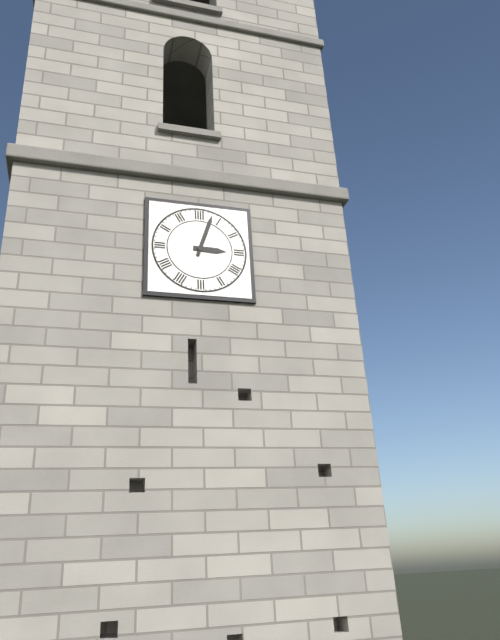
3:03
